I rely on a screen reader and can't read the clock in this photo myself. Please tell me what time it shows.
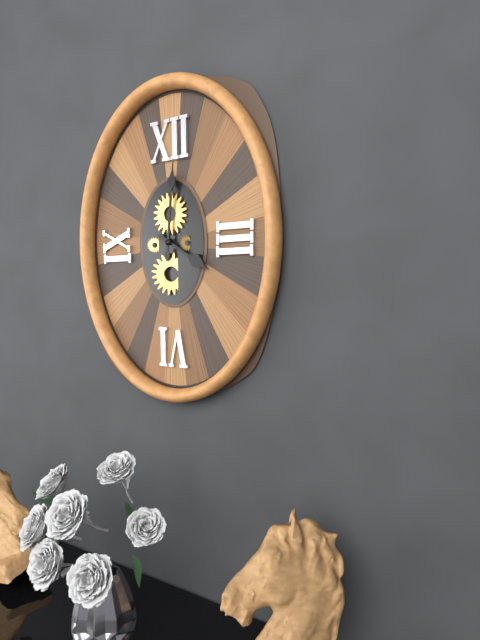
4:01
